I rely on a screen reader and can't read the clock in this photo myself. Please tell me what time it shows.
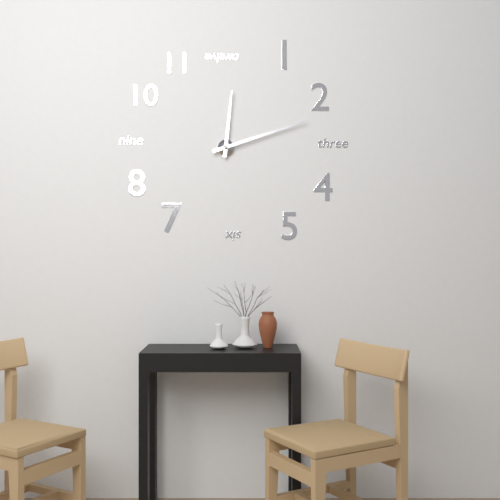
12:12
